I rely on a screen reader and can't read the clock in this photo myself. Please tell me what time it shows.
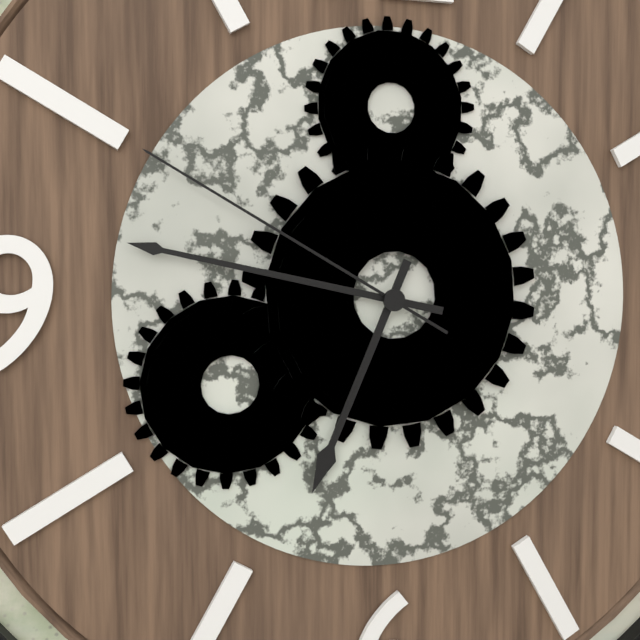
6:47:50
